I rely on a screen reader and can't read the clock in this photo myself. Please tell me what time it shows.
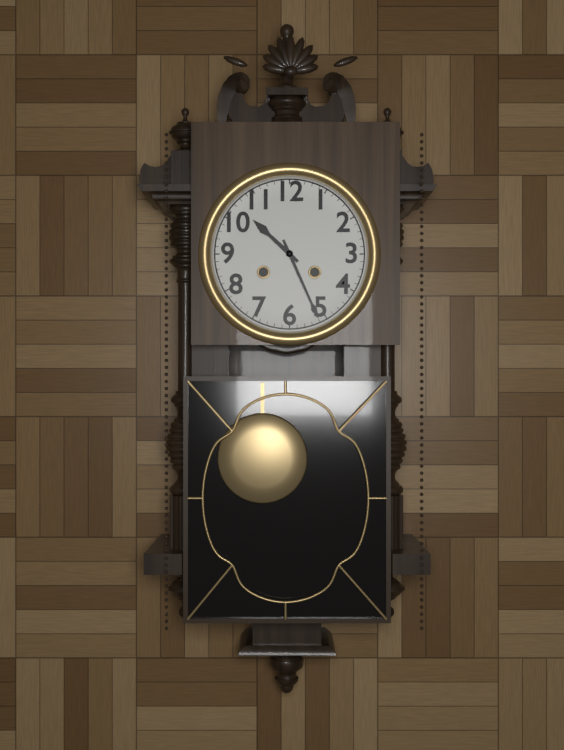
10:26
